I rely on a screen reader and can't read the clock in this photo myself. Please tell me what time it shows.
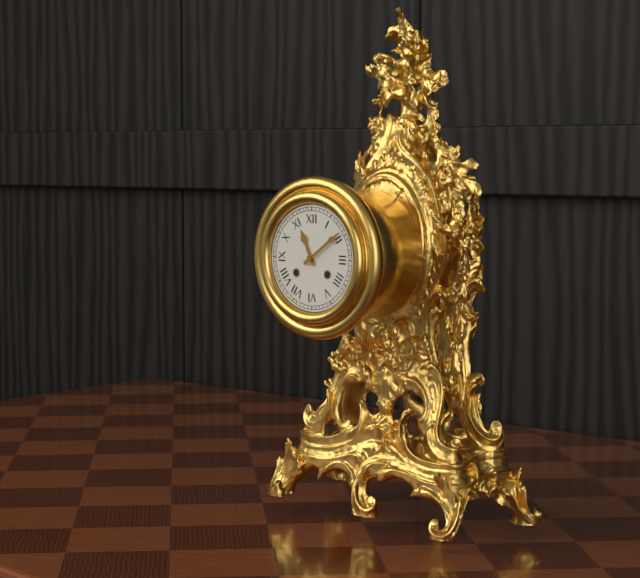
11:09
